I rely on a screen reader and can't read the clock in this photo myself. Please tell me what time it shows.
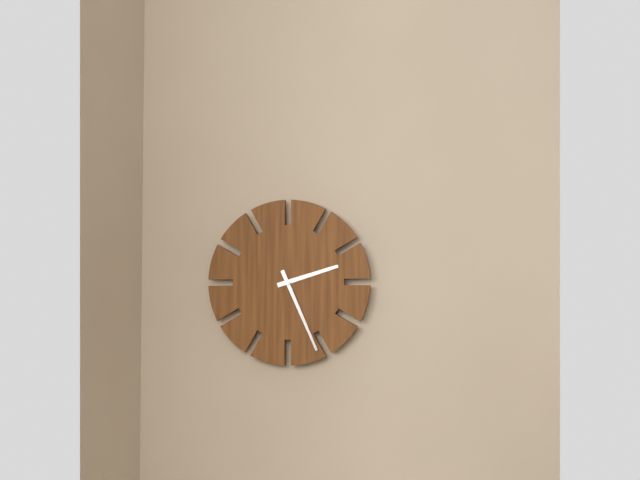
2:26
